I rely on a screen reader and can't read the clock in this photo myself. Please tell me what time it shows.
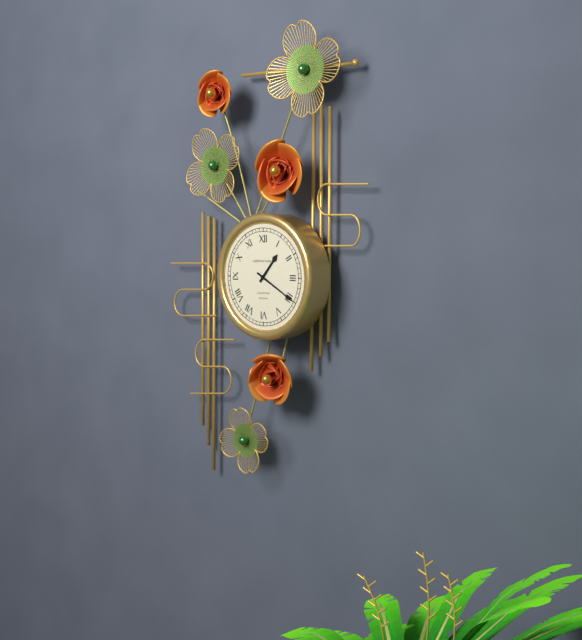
1:20
